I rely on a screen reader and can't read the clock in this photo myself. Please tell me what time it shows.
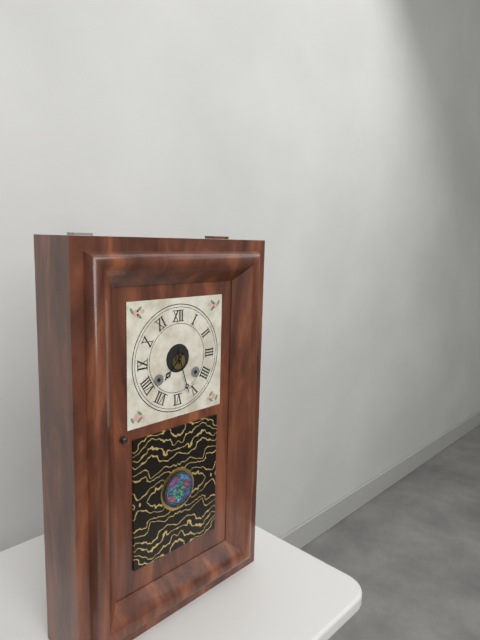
7:27
